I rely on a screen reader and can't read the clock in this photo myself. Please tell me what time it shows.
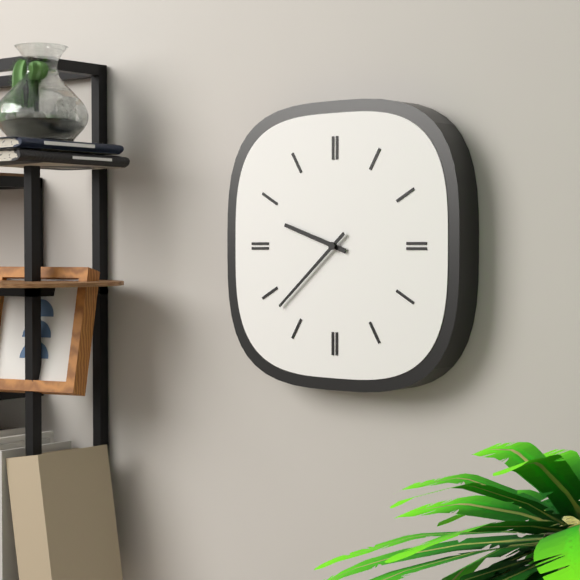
9:38
